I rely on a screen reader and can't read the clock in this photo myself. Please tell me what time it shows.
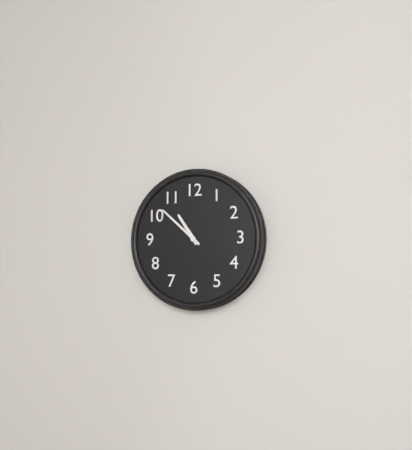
10:52
